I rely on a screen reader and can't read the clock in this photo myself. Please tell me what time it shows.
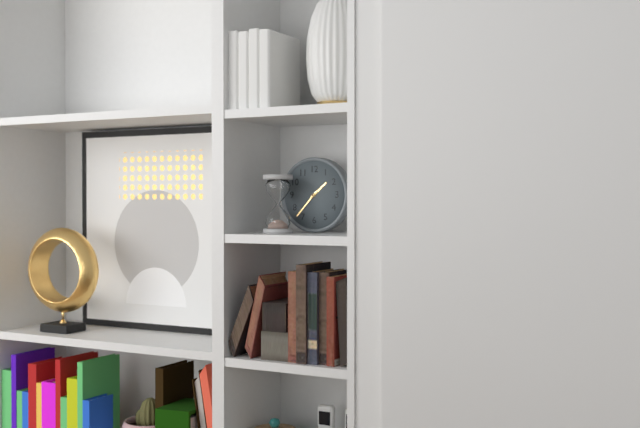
1:37
